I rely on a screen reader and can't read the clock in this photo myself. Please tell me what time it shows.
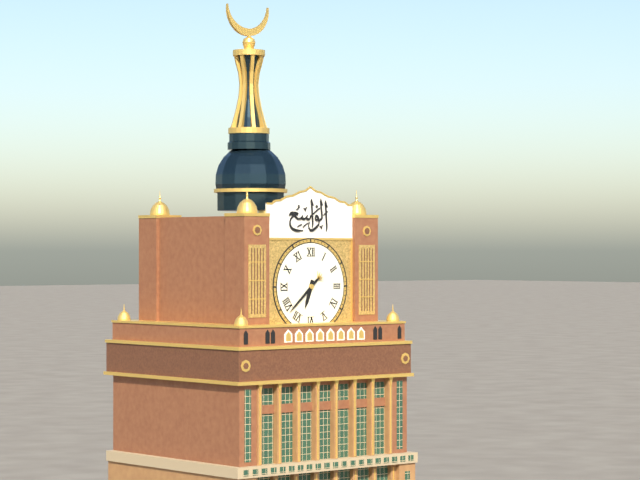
6:38
